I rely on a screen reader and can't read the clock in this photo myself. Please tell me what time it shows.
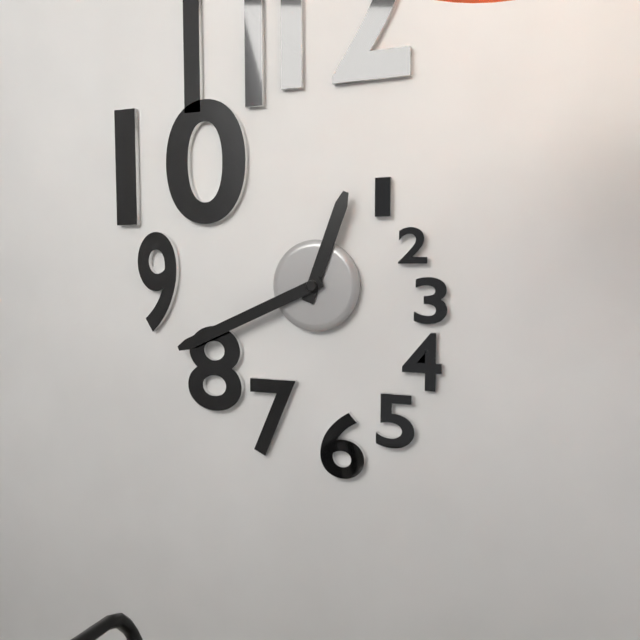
12:41
